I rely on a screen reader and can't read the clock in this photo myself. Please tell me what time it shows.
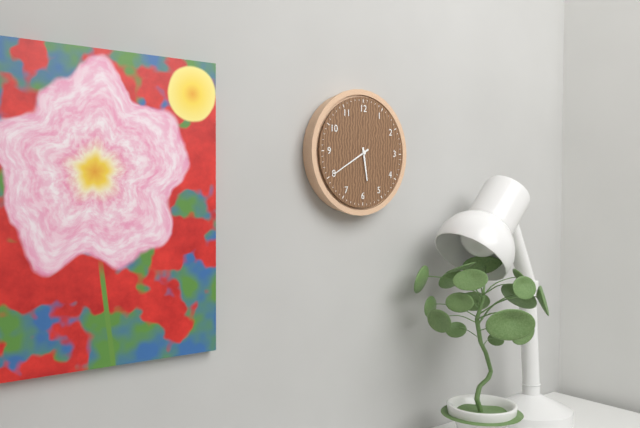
5:40
